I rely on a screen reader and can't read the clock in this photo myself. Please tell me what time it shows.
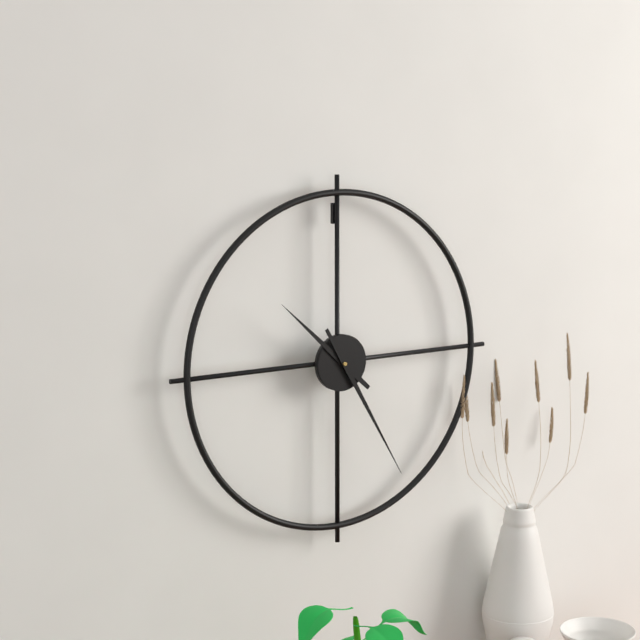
10:25
